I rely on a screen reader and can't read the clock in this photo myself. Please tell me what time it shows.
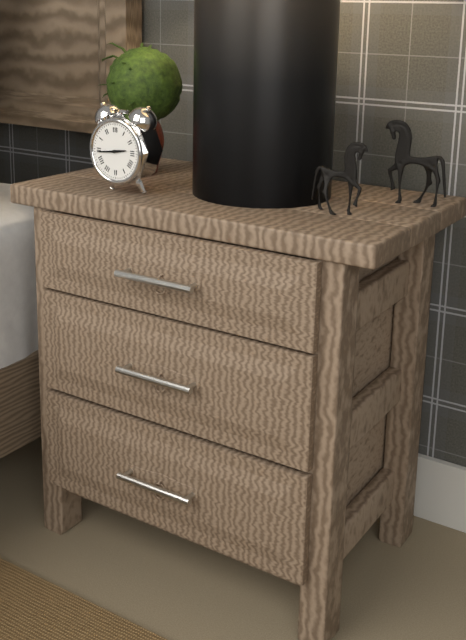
2:44
